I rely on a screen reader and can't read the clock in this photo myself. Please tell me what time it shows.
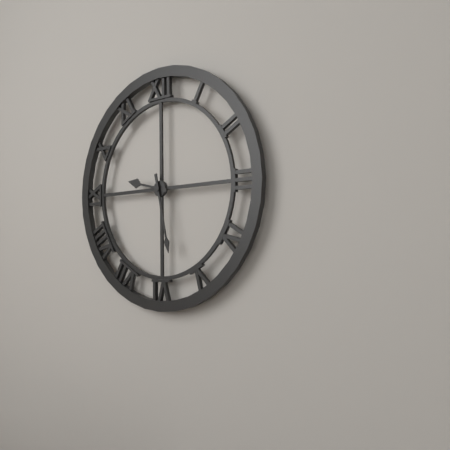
9:28
